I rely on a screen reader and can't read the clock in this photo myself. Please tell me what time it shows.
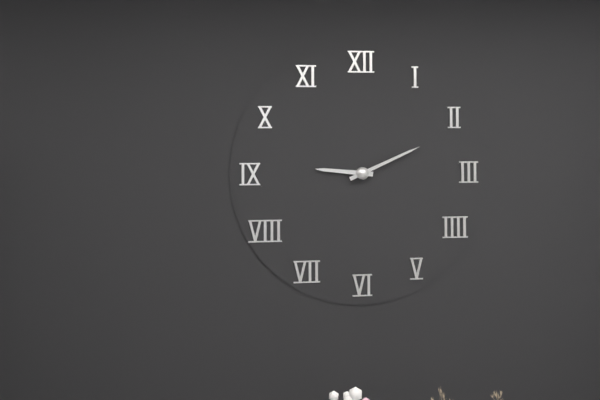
9:11
